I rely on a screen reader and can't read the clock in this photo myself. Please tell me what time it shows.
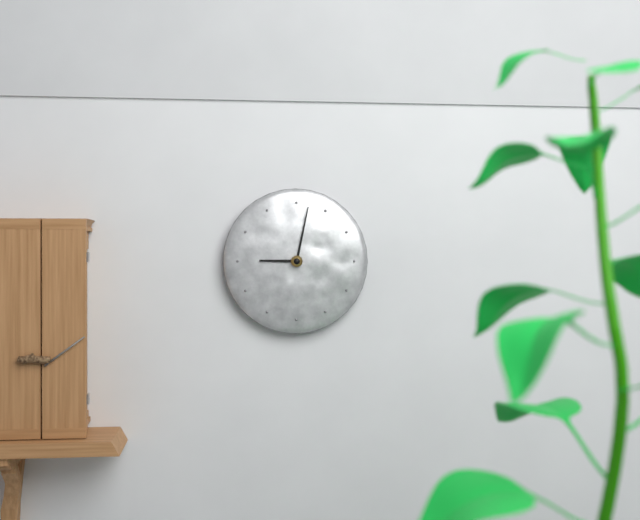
9:02
